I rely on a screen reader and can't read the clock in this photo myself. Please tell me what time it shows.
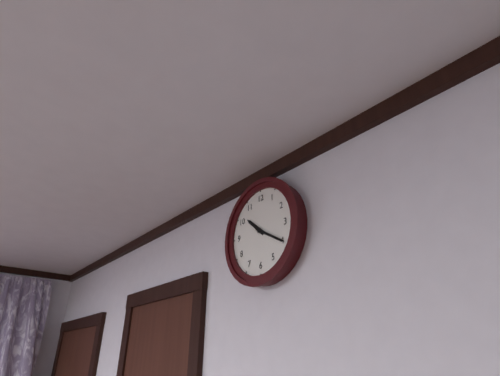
10:20
